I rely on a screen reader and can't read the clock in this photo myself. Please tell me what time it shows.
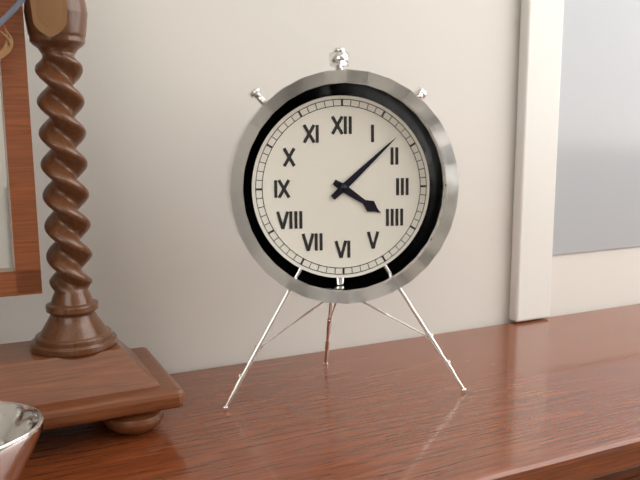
4:08
